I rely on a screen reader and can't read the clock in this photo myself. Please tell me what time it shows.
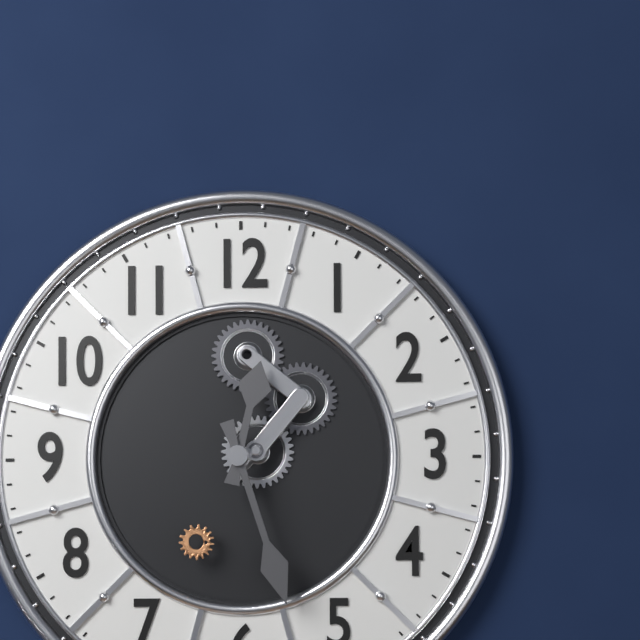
12:27
